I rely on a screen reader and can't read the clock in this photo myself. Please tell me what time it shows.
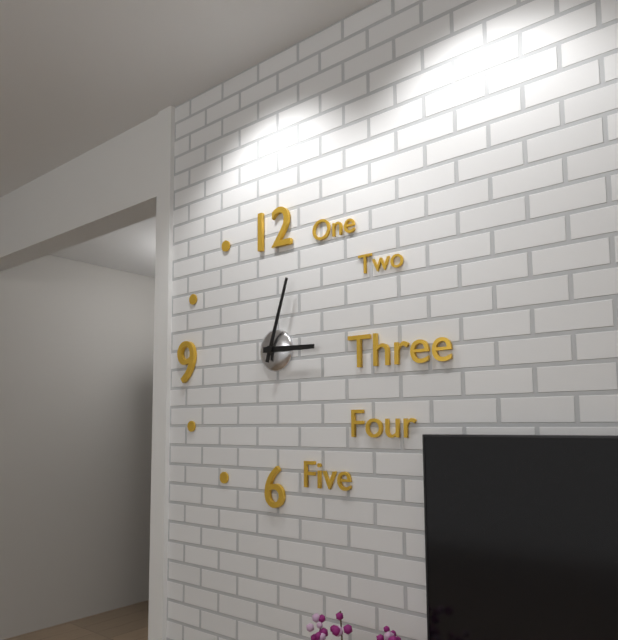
3:03
